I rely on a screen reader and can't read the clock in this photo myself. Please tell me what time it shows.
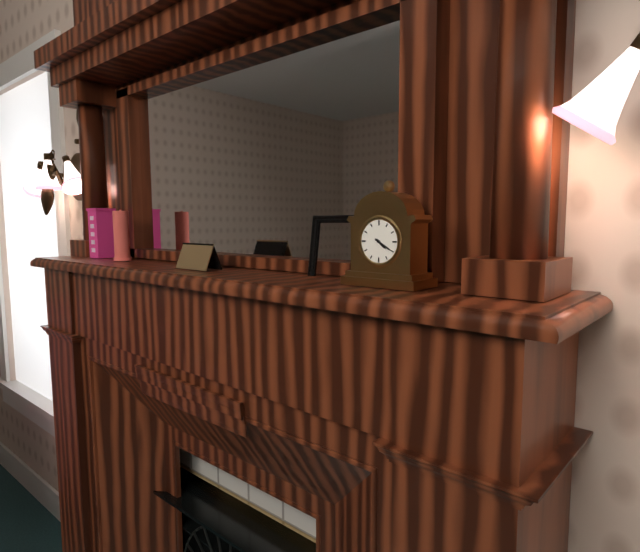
4:20
